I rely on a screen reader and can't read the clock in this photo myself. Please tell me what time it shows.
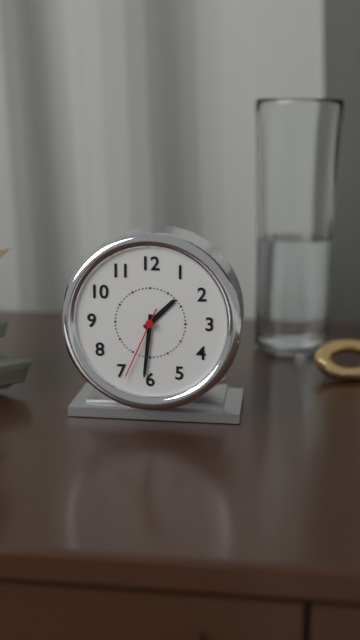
1:31:34
